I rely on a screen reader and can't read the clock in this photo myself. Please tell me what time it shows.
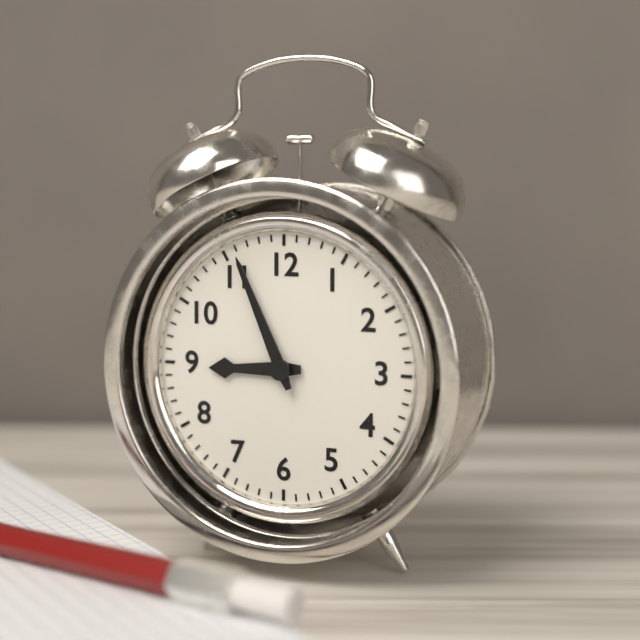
8:56
